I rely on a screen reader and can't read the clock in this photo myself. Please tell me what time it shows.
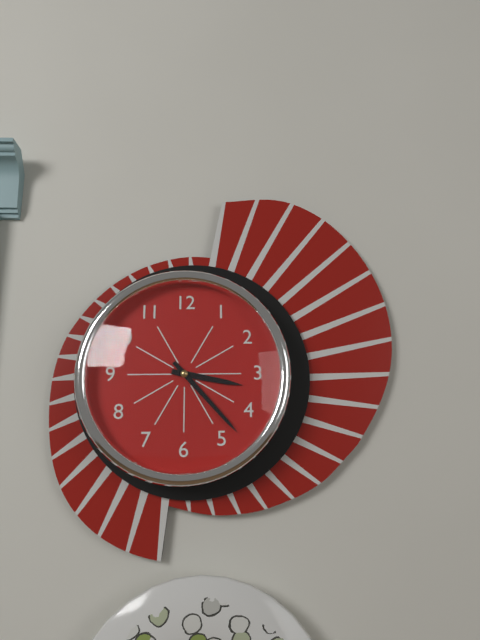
3:23
